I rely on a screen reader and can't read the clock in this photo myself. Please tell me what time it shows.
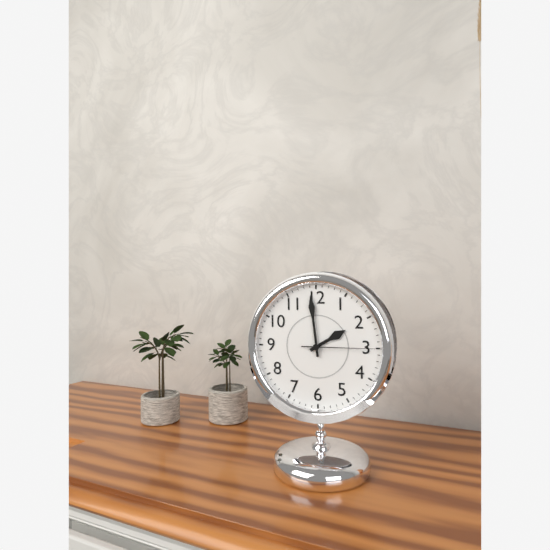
1:59:15
